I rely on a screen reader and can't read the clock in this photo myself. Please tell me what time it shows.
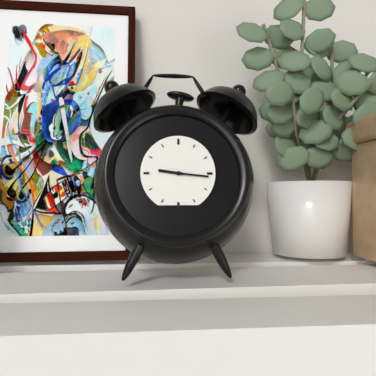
9:16
